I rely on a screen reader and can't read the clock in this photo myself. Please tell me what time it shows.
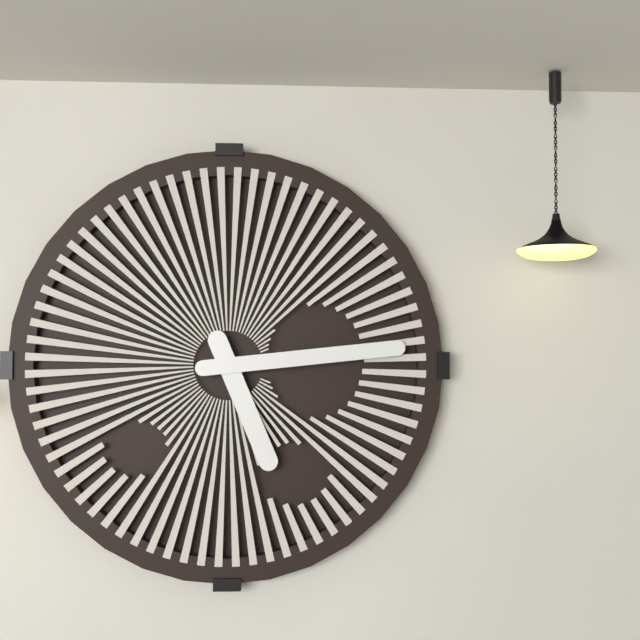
5:14
